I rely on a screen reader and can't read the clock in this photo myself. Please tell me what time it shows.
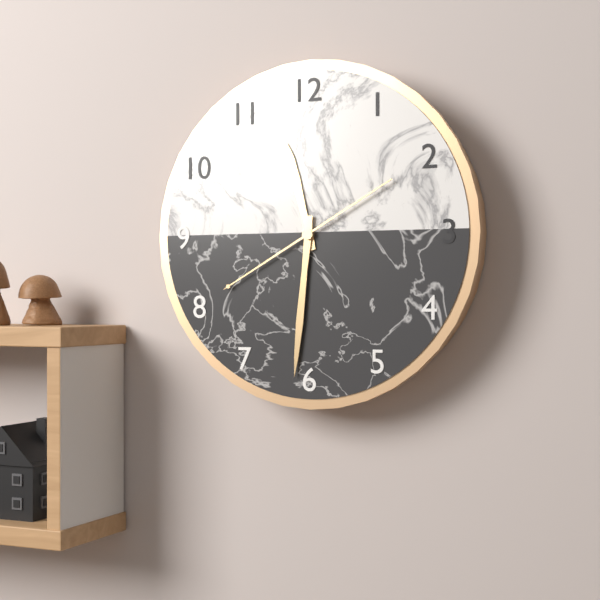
11:31:40
